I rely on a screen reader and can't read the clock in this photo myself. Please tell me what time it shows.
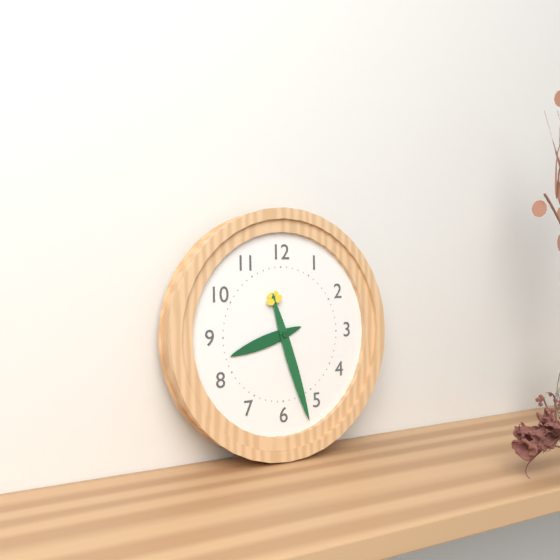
8:27
